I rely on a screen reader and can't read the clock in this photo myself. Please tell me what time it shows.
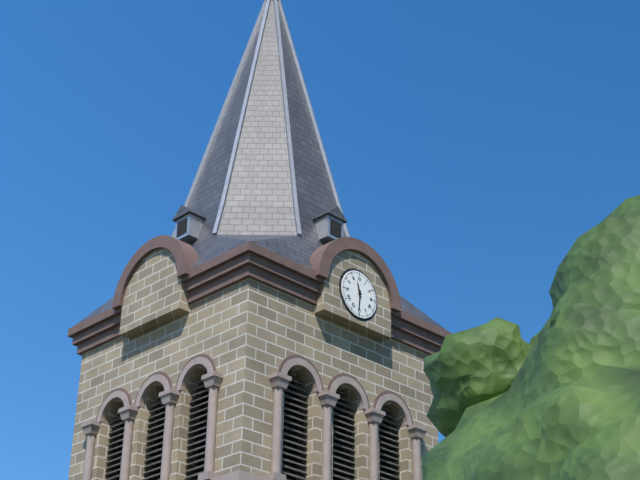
11:31
